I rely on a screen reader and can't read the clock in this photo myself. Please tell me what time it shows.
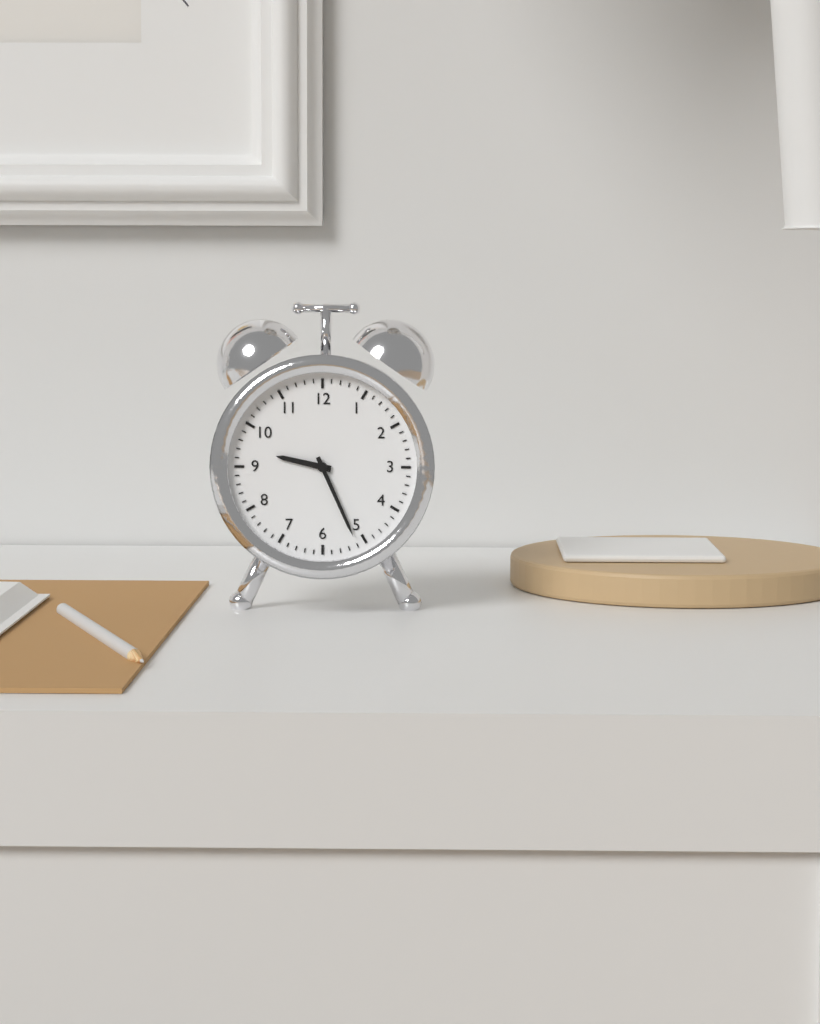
9:26
